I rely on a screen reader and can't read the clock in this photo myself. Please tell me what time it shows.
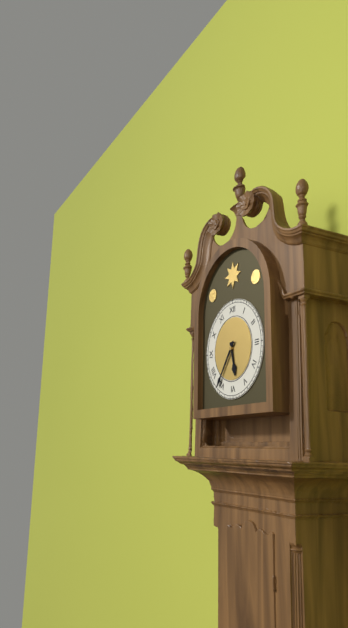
5:36
